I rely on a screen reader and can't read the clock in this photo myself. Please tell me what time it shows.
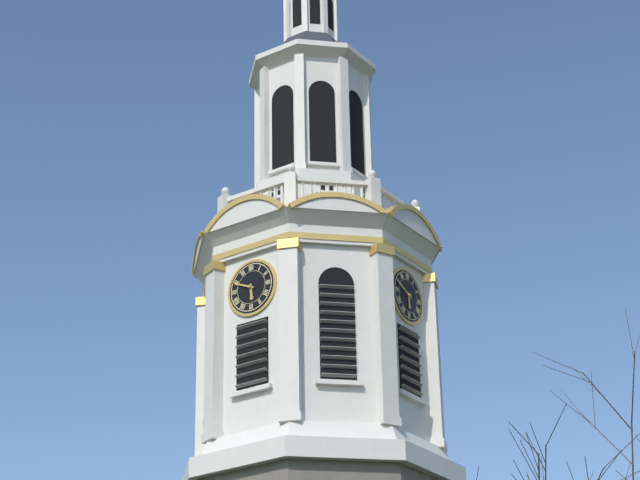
5:49
